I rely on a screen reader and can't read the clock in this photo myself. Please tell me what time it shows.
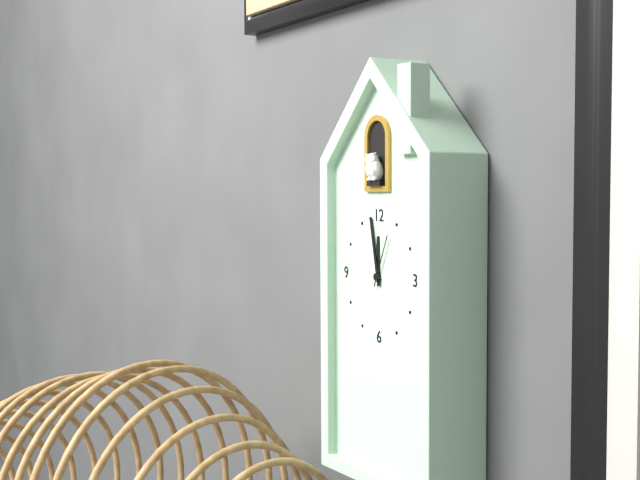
11:58:04
